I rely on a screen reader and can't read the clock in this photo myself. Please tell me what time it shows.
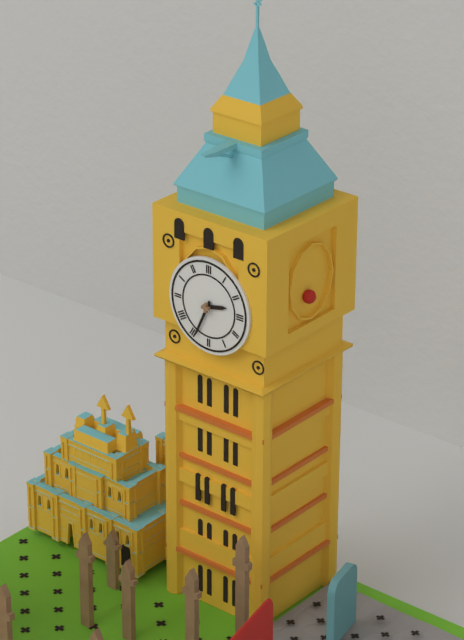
2:34
